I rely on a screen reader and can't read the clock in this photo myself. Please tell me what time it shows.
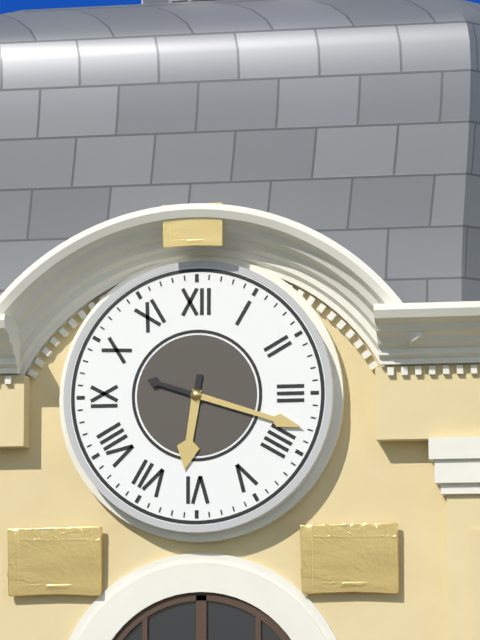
6:18
